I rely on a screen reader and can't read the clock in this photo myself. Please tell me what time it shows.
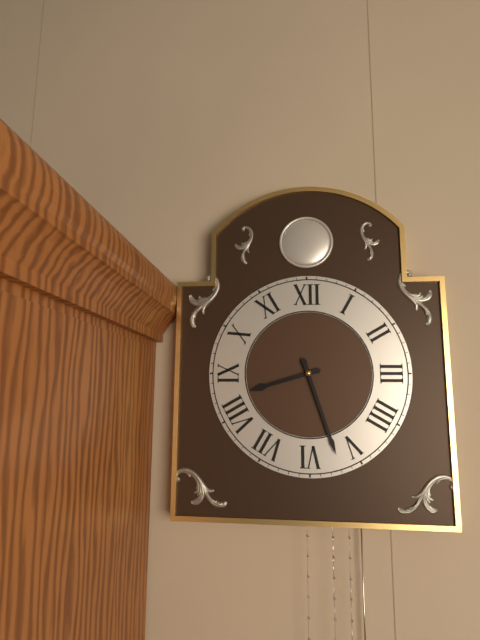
8:27
